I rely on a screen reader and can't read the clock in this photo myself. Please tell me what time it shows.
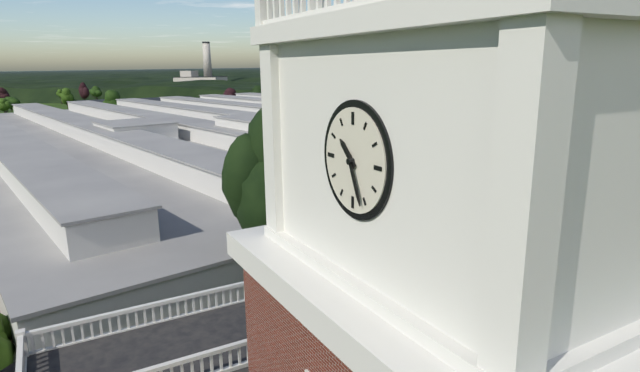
10:26
